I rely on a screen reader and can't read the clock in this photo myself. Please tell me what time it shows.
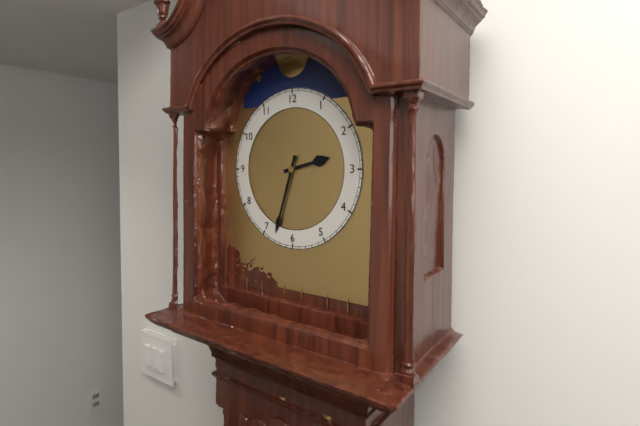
2:33
